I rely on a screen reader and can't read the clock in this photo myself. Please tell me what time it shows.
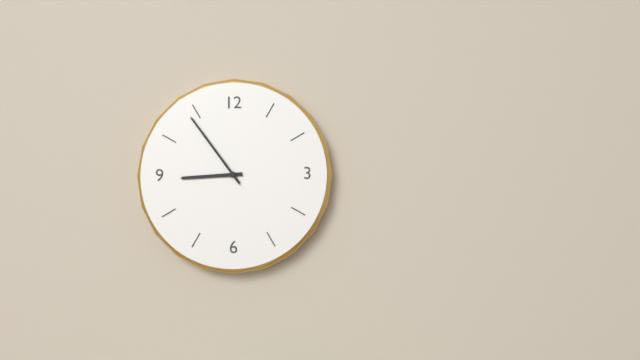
8:54
